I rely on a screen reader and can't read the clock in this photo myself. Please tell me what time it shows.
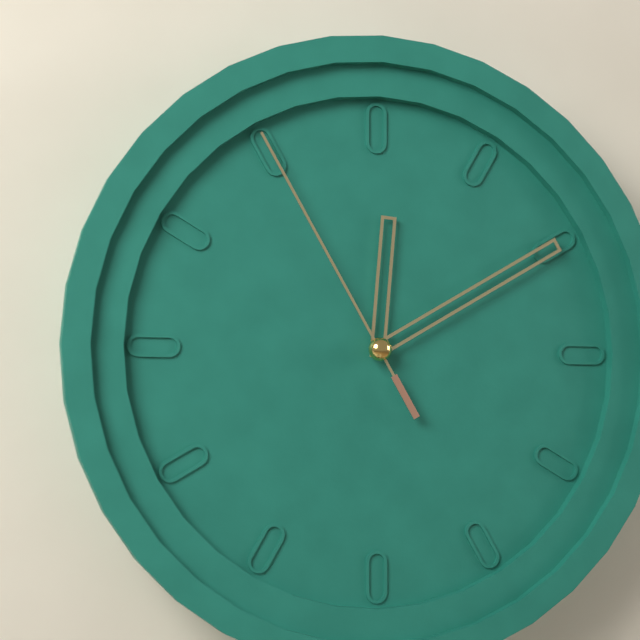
12:10:55
